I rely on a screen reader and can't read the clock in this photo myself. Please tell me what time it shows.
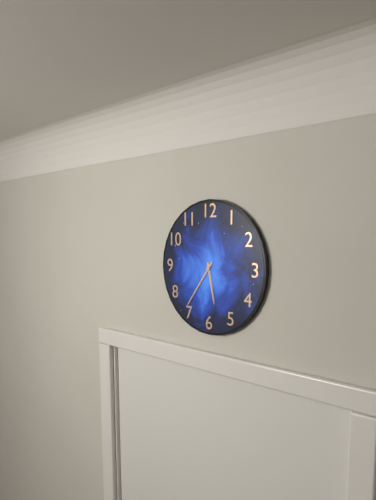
5:36
